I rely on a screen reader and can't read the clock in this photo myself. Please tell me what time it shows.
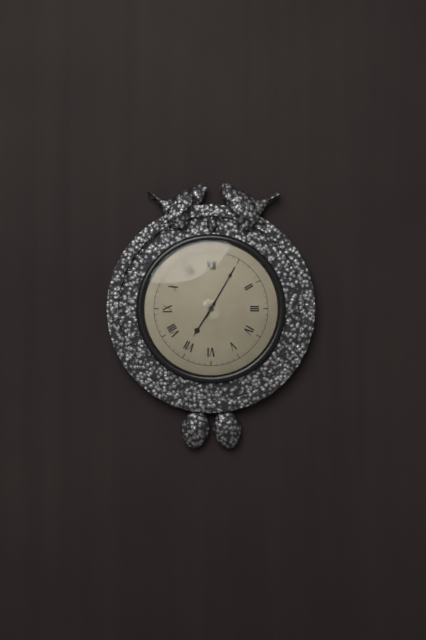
7:05
